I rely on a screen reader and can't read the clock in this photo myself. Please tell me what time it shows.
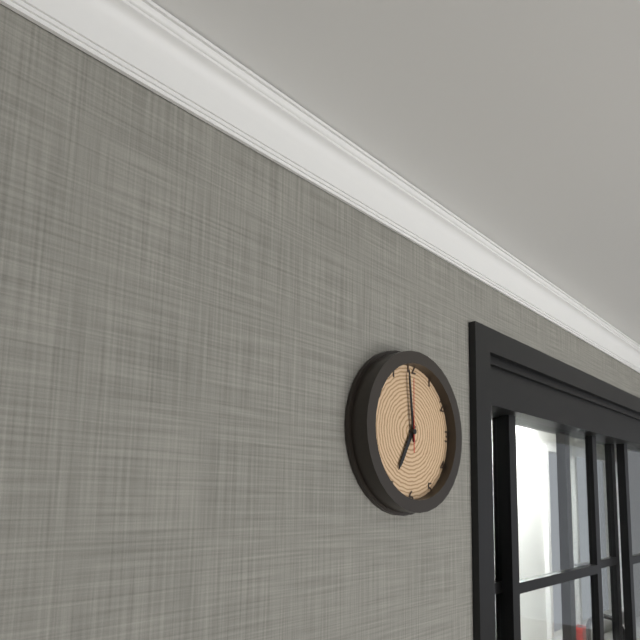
6:59:00
